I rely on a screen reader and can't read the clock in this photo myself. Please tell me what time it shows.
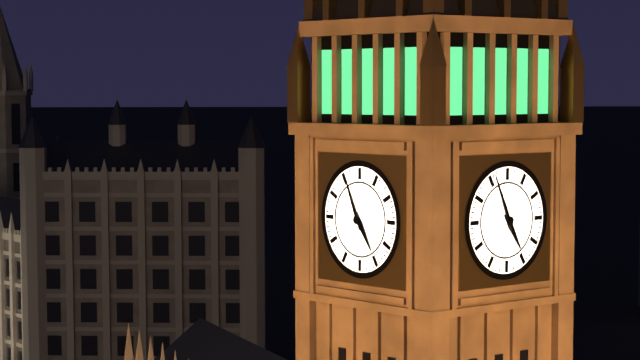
4:56
